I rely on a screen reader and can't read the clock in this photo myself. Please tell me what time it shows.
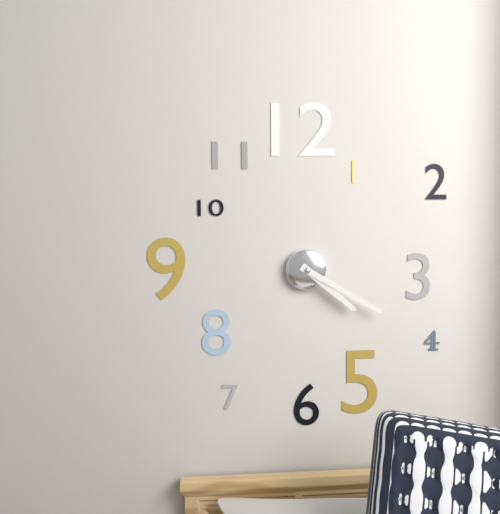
4:20
